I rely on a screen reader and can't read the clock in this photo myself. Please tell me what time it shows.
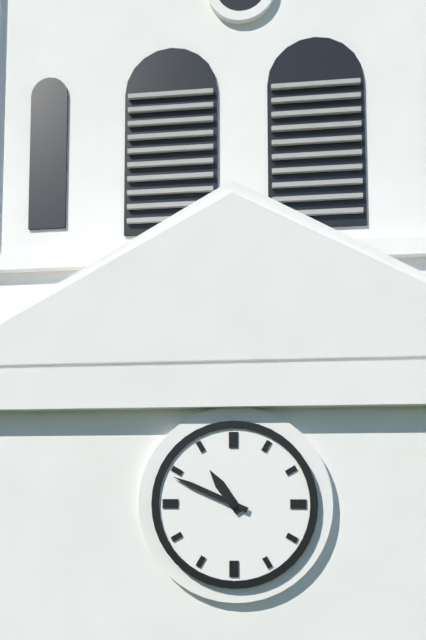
10:49
